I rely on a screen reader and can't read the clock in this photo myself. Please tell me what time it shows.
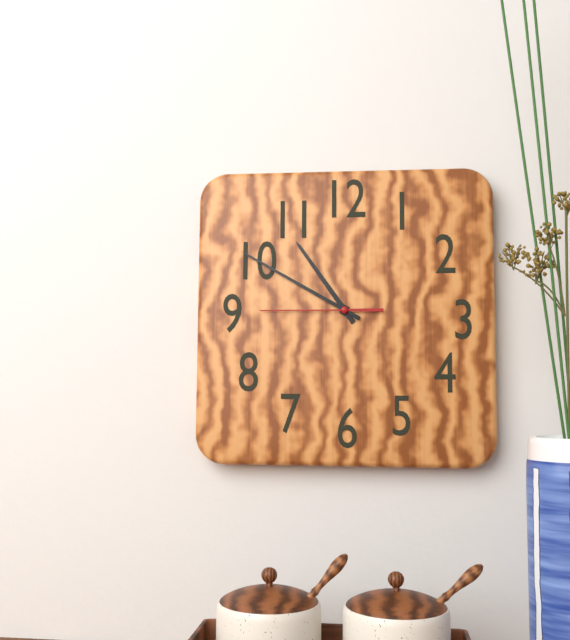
10:50:45
